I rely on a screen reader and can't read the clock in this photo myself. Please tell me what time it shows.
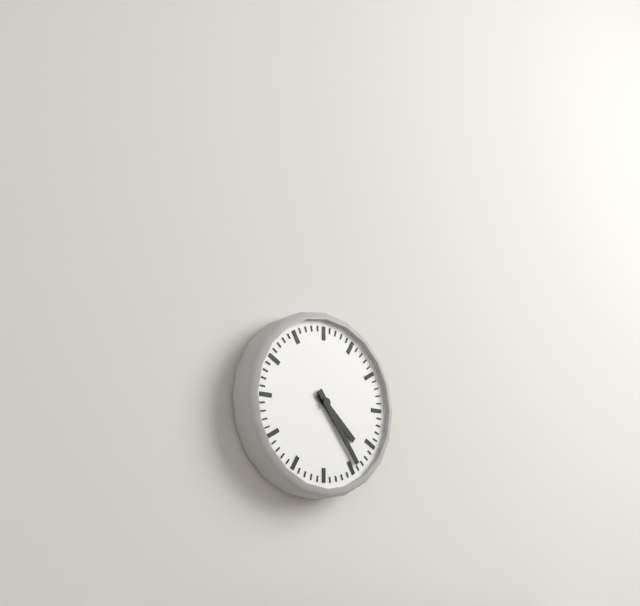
4:24
